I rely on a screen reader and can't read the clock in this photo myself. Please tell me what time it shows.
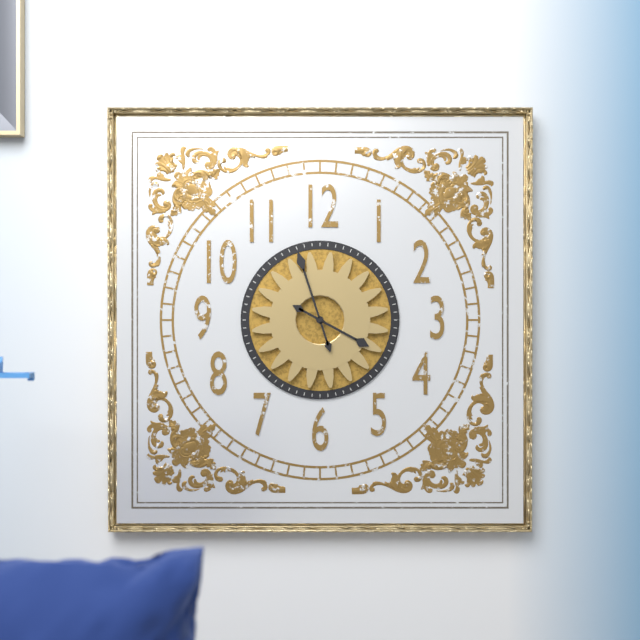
3:57
